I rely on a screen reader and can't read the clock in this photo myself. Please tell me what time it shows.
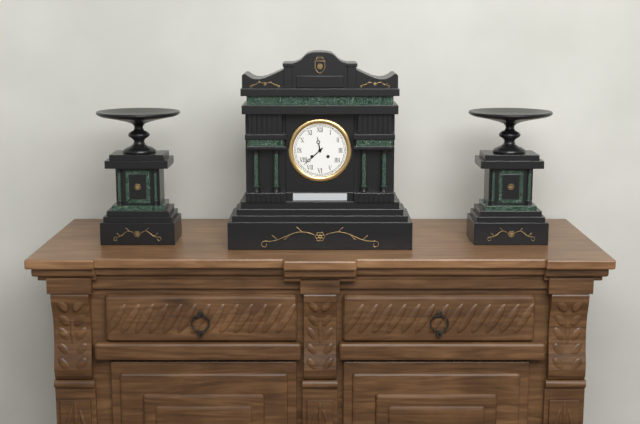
11:38
